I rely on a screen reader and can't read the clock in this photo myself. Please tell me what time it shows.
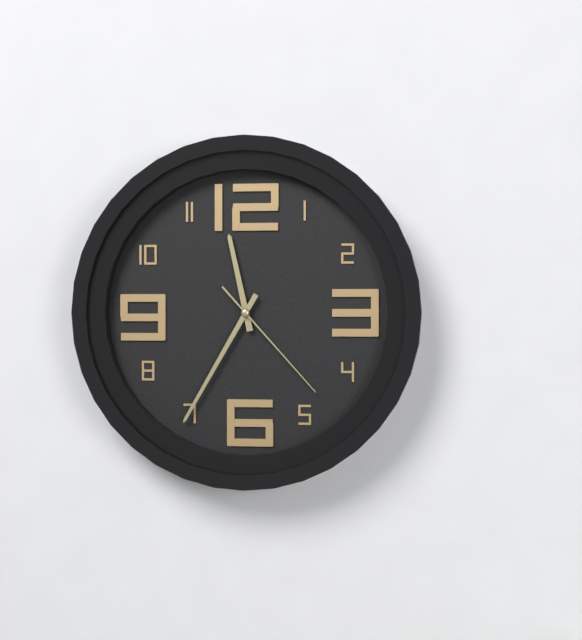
11:35:23
